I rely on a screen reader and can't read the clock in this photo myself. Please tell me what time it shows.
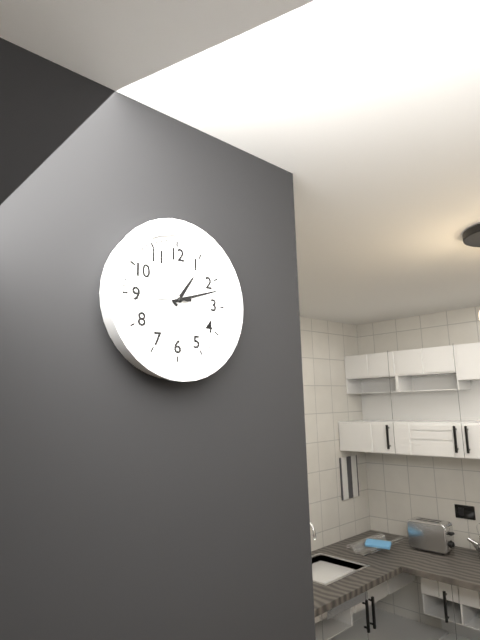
1:12:44
